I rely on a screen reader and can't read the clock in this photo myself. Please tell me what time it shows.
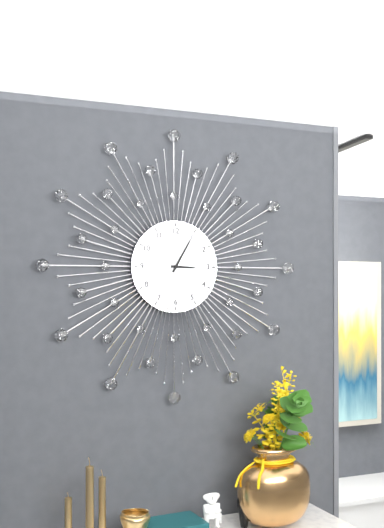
3:05
